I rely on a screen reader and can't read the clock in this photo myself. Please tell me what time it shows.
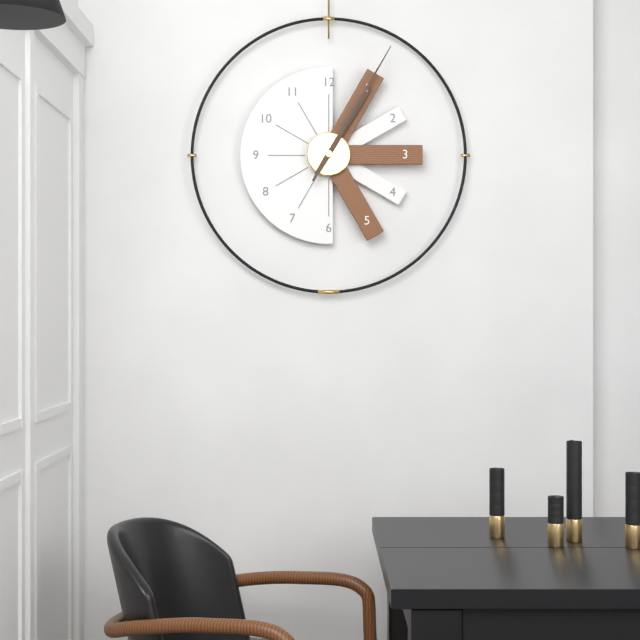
1:05
